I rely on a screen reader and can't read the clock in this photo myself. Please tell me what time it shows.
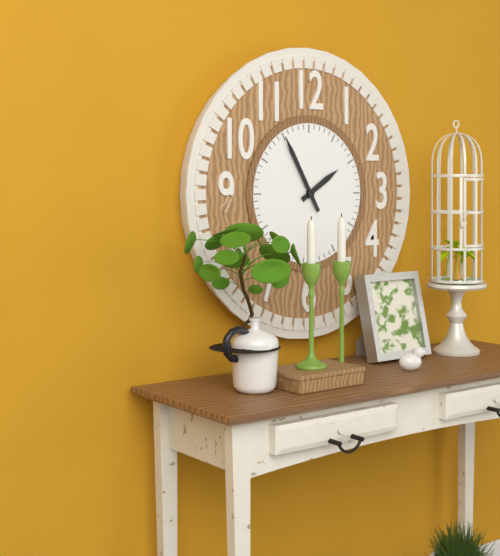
1:55
